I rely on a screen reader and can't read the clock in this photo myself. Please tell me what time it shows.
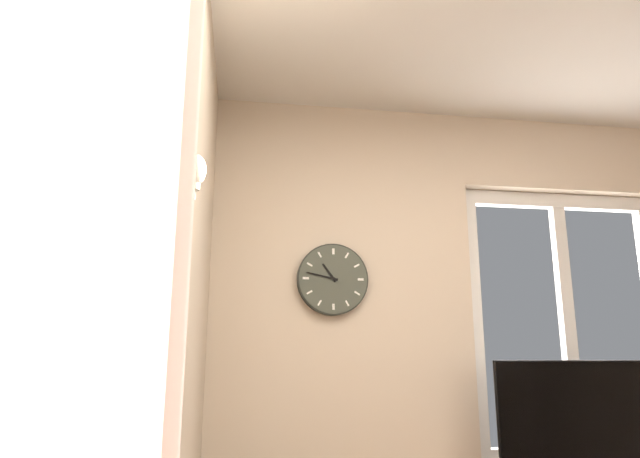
10:47
